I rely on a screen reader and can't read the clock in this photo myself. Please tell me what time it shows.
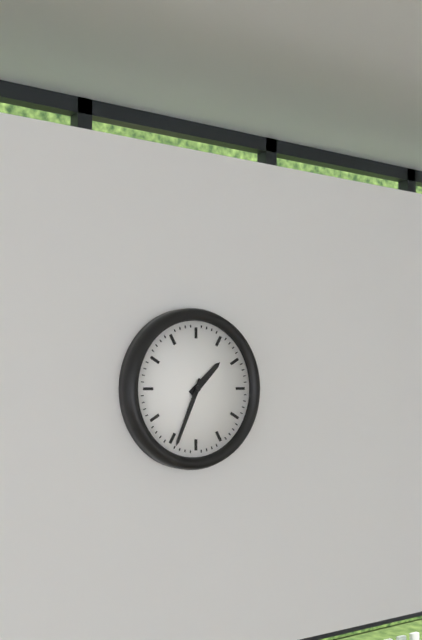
1:34
